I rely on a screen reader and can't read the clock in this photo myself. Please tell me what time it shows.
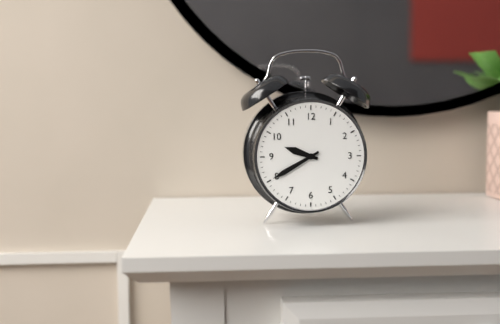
9:40
